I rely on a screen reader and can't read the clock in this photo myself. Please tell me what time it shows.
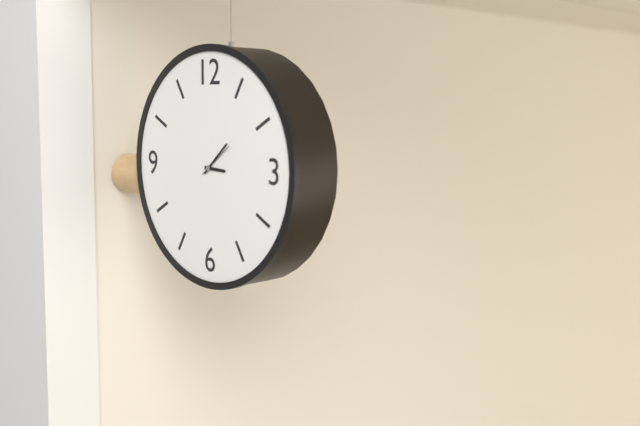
3:08
